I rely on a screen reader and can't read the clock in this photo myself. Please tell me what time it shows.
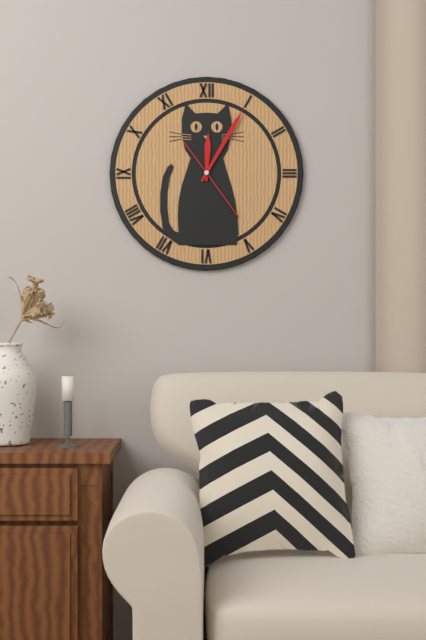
12:05:24
